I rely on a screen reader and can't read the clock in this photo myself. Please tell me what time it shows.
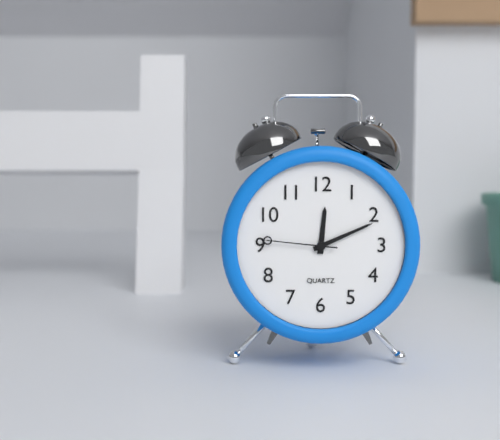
12:11:46
